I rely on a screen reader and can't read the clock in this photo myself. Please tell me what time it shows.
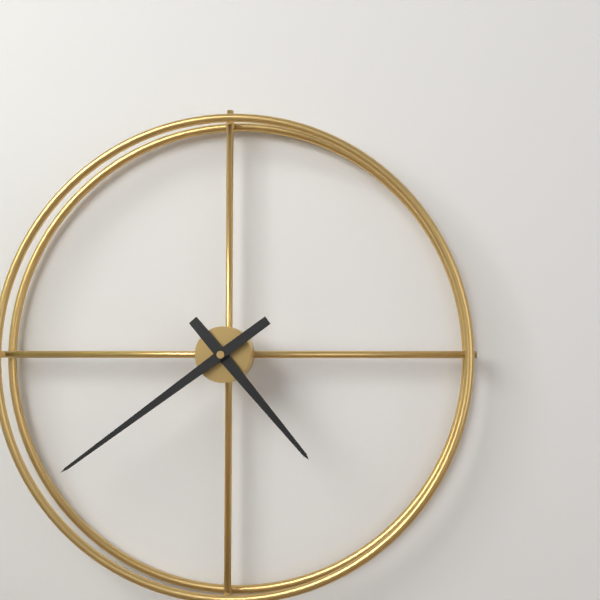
4:39
